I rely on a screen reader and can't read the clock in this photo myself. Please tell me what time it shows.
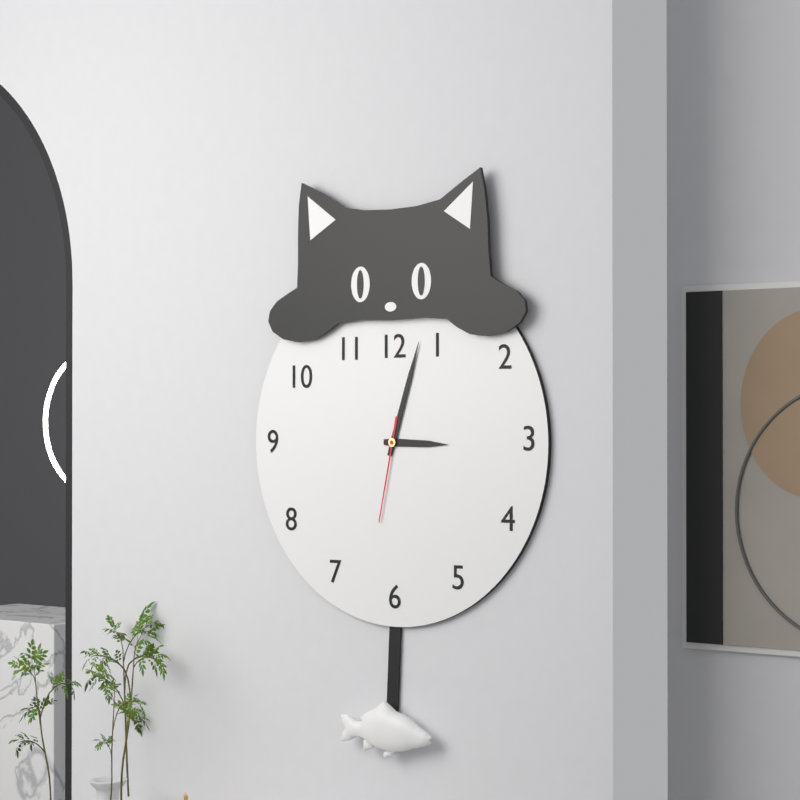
3:03:32
